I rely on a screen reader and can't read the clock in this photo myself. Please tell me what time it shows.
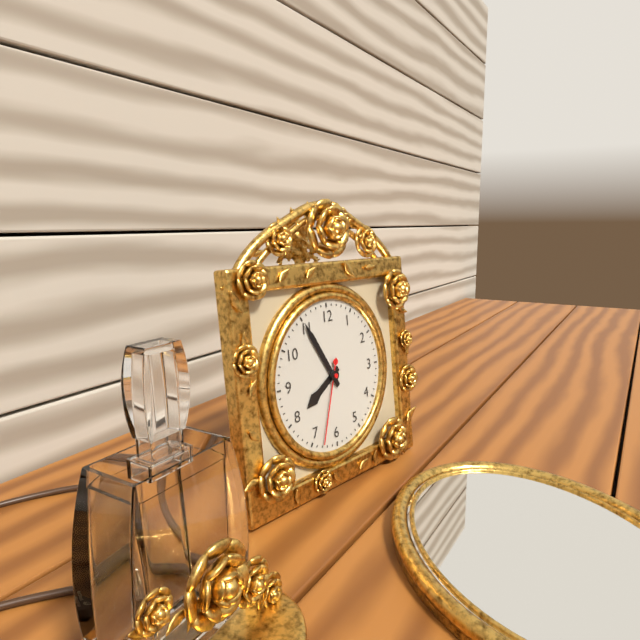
7:55:33
